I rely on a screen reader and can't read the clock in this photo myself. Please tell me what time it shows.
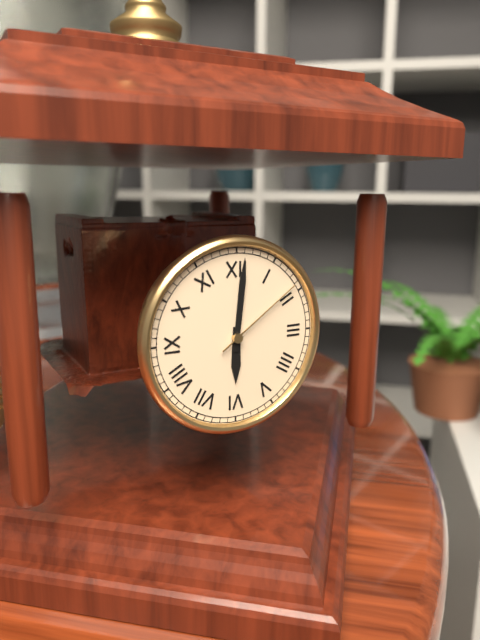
6:01:09
